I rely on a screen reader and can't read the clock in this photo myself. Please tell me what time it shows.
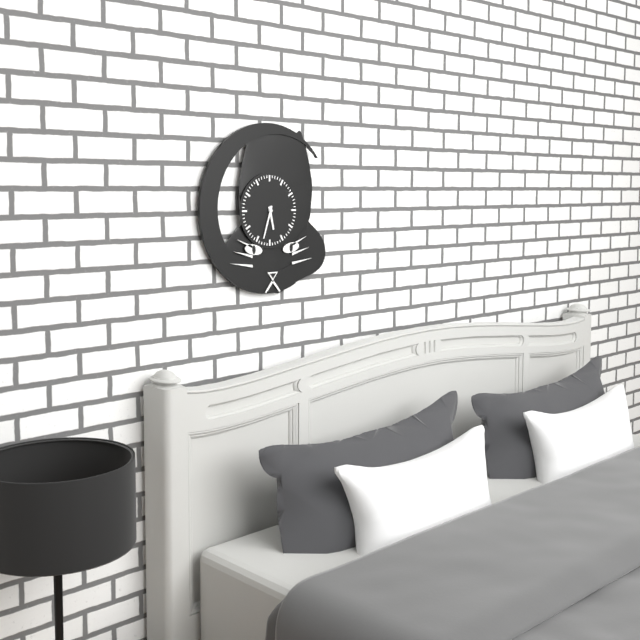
5:33
